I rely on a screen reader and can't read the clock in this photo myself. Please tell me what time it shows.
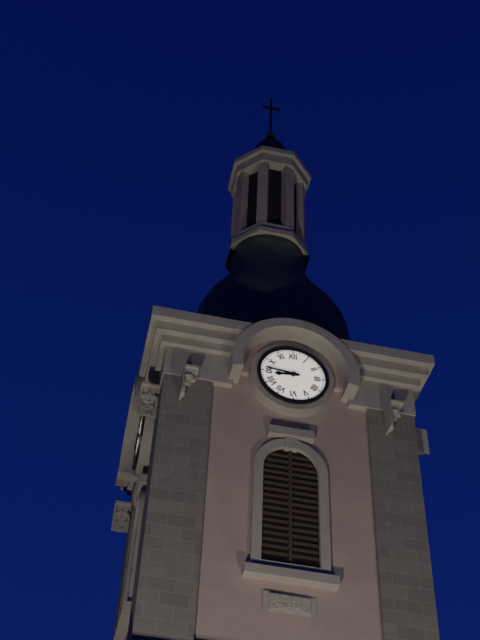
8:46
